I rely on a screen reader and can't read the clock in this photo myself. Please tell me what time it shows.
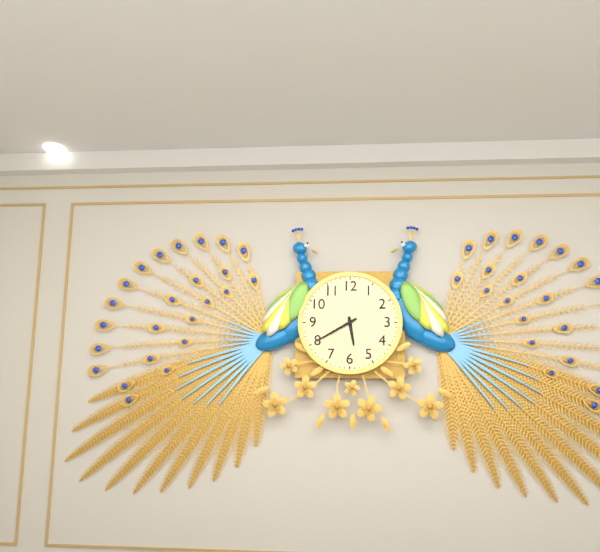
5:40
